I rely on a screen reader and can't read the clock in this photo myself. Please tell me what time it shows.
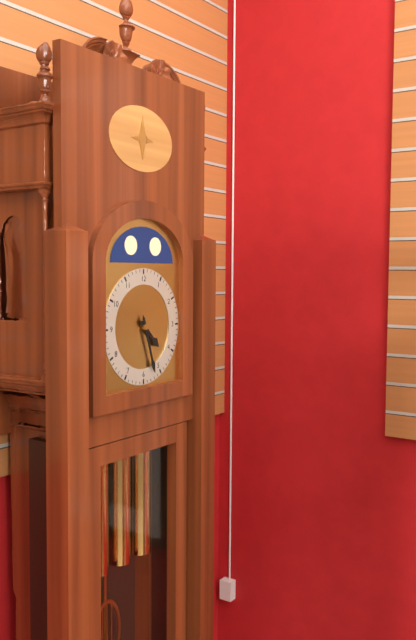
4:27
